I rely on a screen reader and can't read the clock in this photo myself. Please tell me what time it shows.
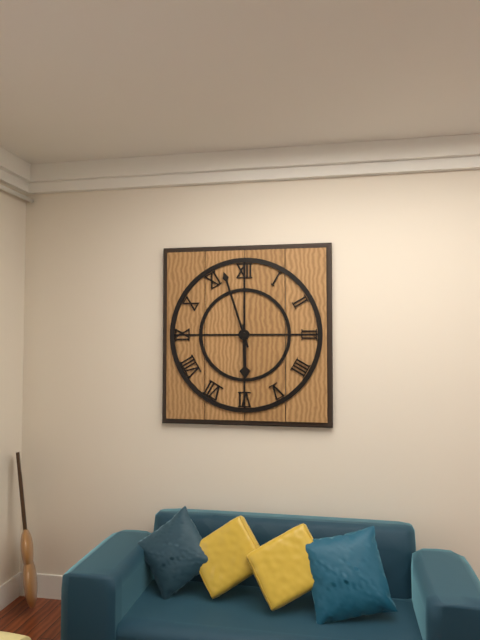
5:57
